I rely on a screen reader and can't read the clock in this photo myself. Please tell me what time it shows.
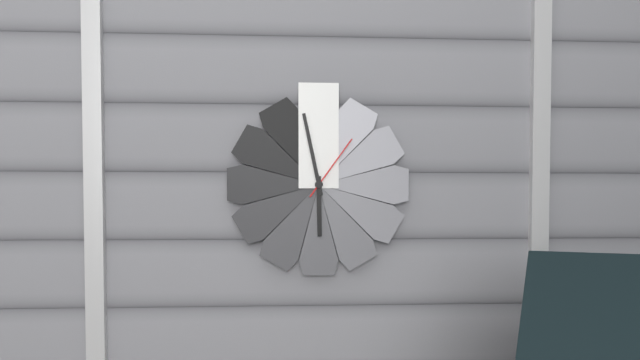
5:58:06
